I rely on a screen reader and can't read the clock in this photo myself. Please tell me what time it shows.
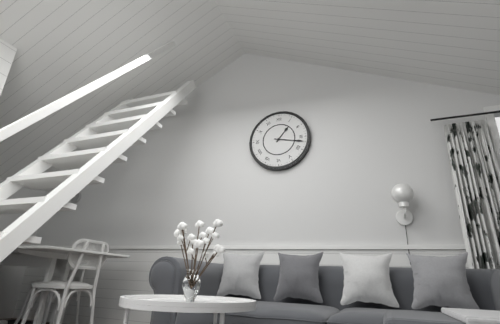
1:17
